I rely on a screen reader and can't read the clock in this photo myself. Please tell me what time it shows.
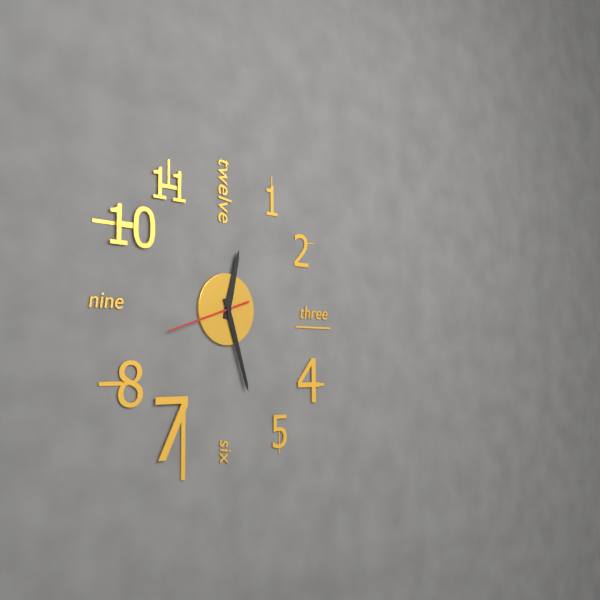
12:27:42
